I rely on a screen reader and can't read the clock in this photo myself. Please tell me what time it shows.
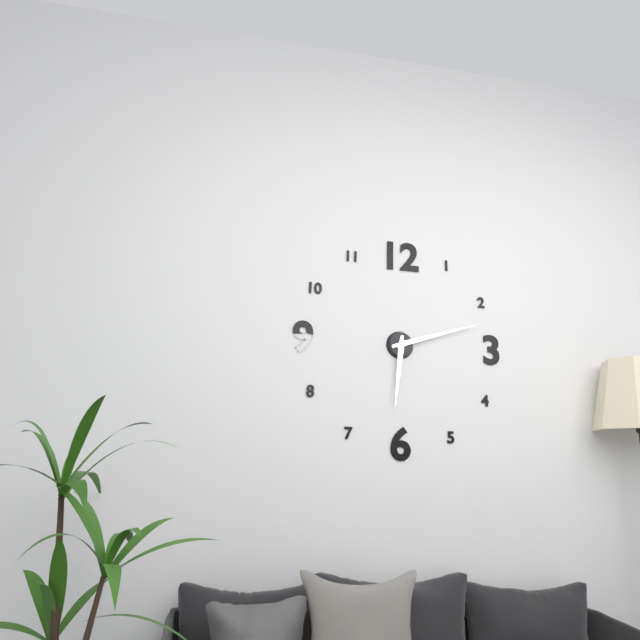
6:12
